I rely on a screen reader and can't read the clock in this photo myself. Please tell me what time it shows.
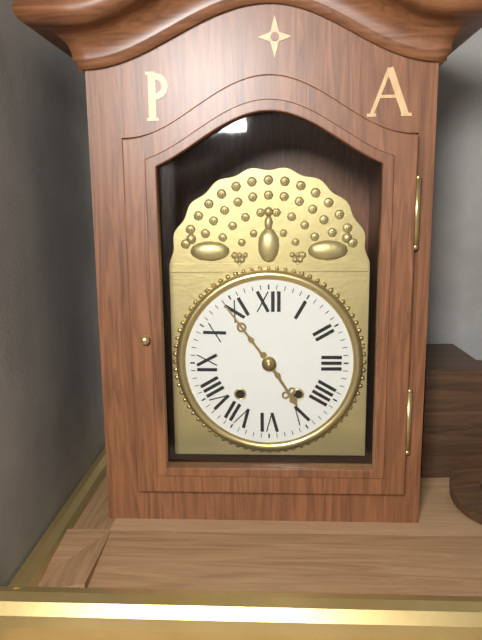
4:54
